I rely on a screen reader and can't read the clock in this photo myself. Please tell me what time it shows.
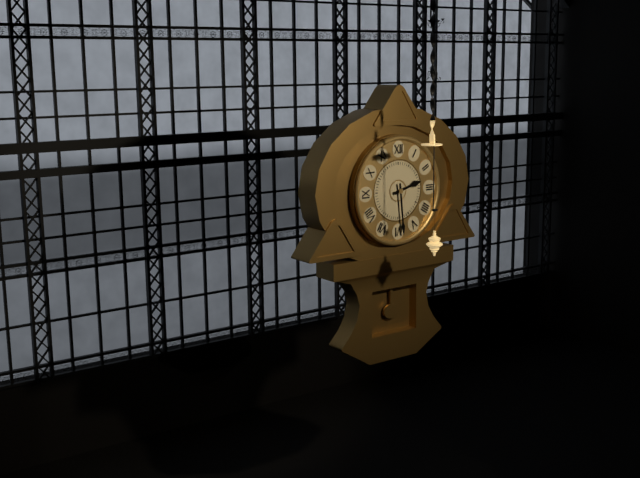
2:29
